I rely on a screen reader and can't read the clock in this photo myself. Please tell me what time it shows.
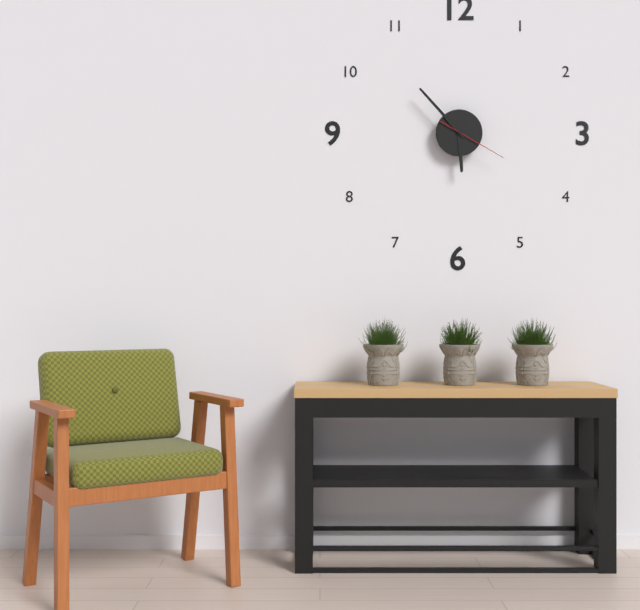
5:53:20
